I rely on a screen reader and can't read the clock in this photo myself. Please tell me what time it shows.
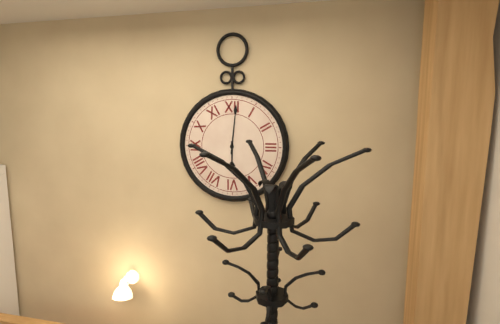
6:01
